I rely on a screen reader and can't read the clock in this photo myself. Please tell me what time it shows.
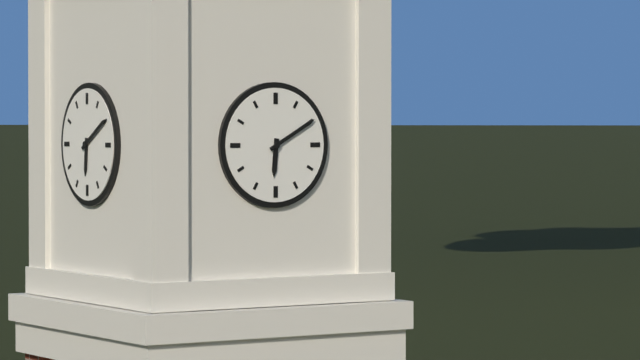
6:10
